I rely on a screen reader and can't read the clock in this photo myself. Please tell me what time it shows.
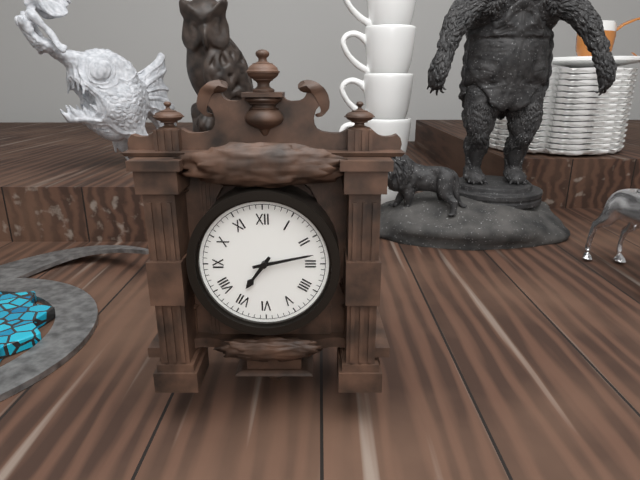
7:13
